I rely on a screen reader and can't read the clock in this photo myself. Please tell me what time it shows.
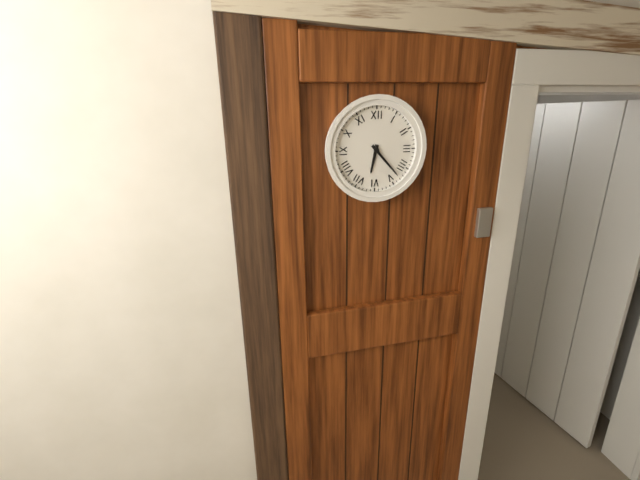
6:23
